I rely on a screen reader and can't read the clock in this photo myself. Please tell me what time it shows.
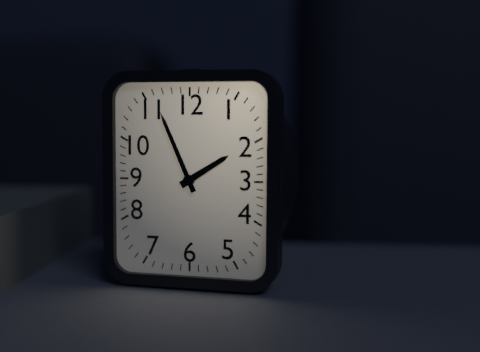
1:56
